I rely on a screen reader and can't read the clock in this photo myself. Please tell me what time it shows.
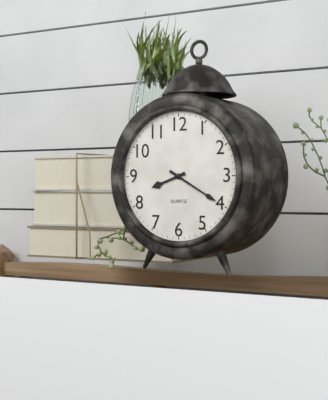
8:20
